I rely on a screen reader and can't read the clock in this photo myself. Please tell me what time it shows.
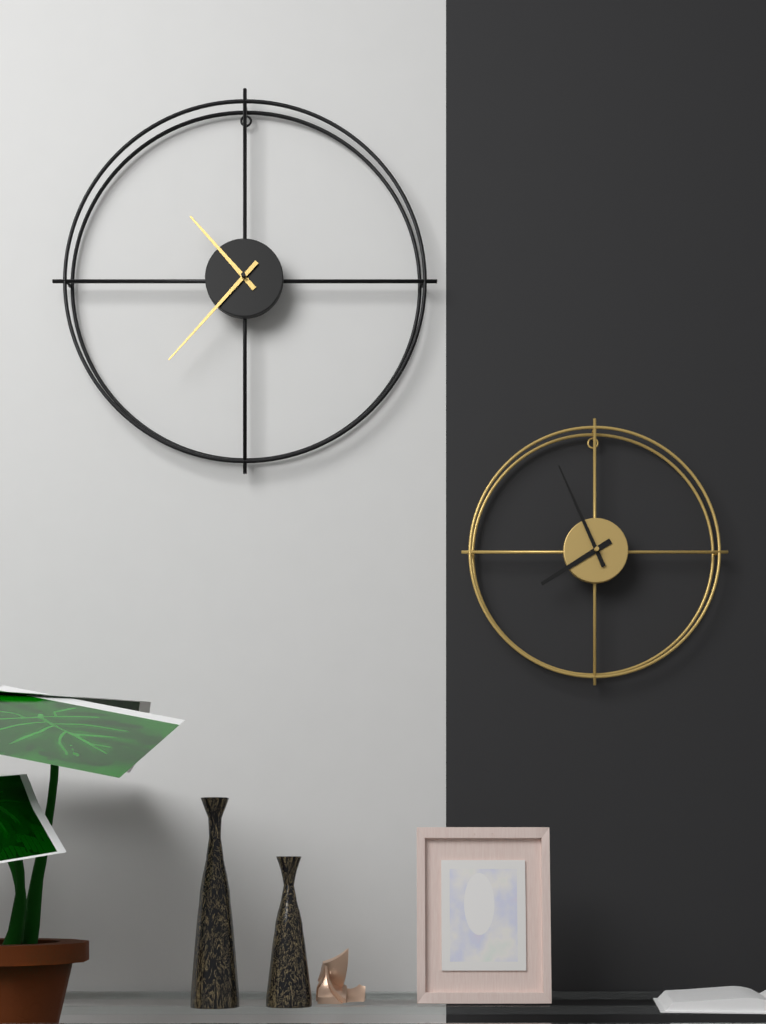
10:37
